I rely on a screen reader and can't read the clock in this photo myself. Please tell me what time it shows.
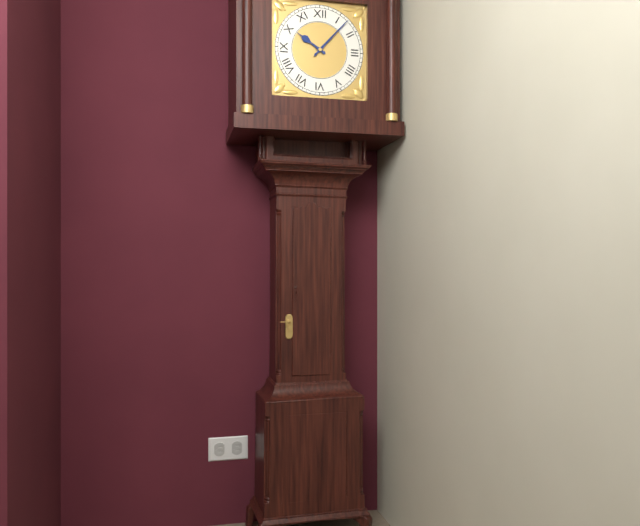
10:07
